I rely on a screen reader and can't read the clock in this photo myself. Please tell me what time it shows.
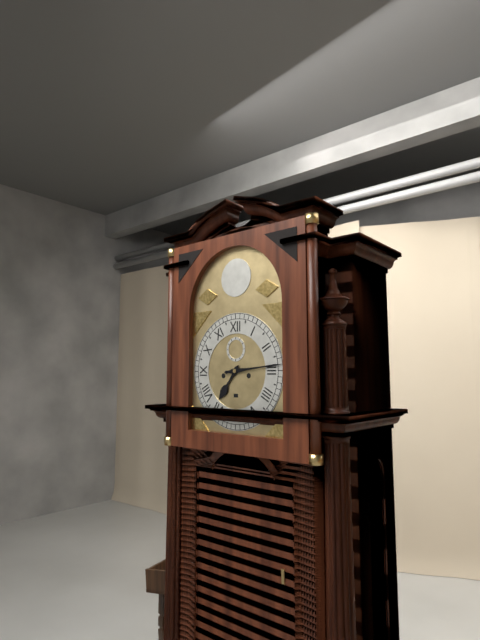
7:14
